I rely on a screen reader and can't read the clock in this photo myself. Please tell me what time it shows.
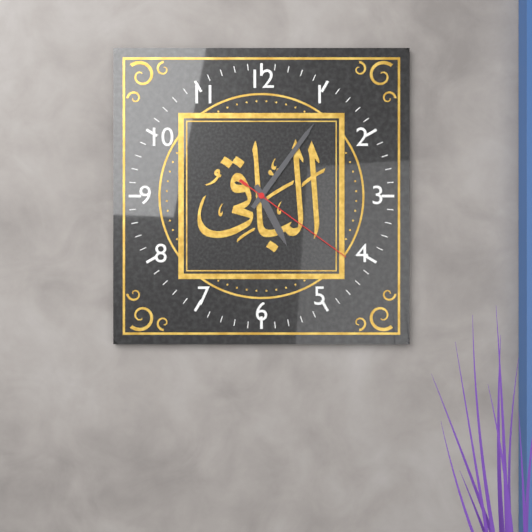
5:06:21
